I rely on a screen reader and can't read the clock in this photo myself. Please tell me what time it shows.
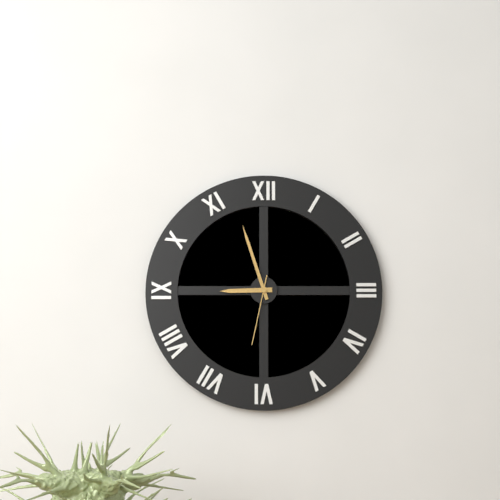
8:57:32
